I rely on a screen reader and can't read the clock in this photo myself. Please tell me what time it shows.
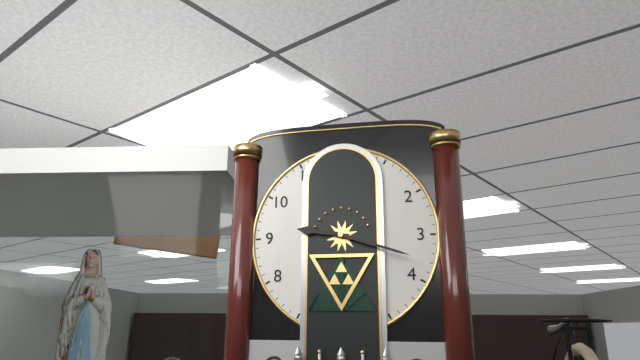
9:18
